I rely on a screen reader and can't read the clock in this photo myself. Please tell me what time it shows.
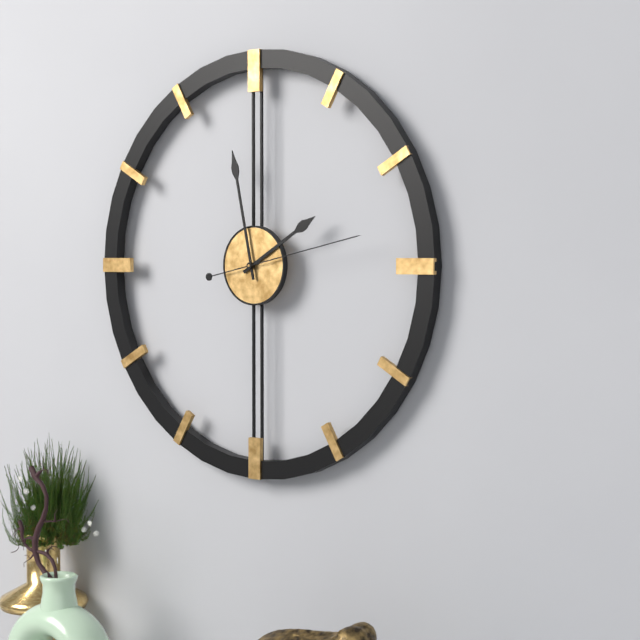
1:58:13
